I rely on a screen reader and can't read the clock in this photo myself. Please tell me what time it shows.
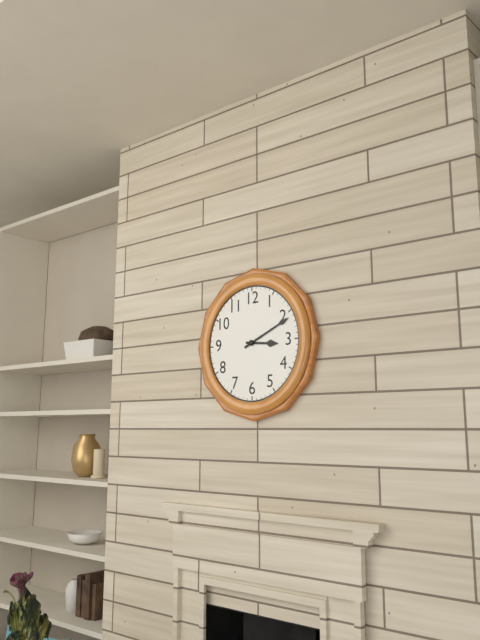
3:11
